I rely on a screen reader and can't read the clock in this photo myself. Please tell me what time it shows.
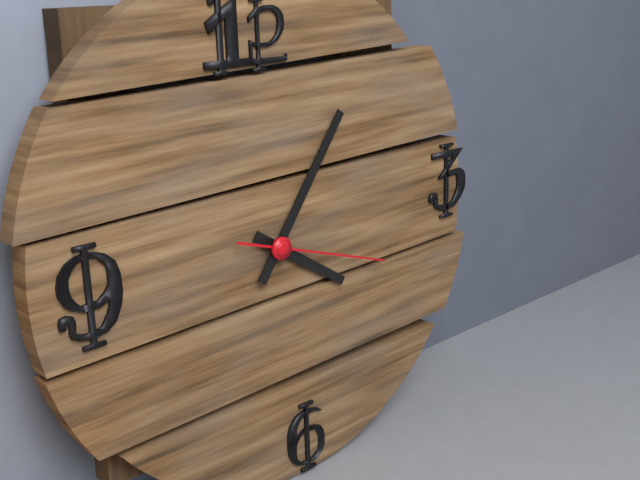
4:06:18
